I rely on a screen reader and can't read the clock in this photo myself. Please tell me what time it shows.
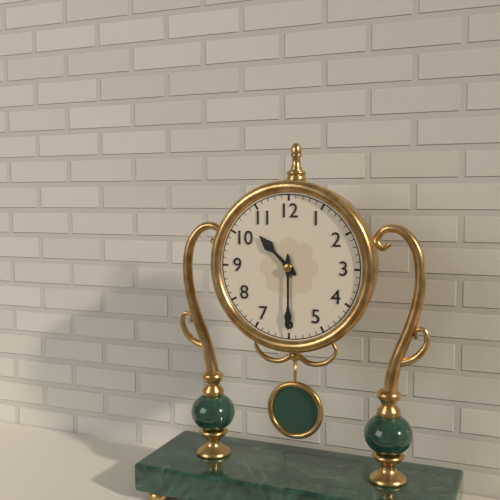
10:30
